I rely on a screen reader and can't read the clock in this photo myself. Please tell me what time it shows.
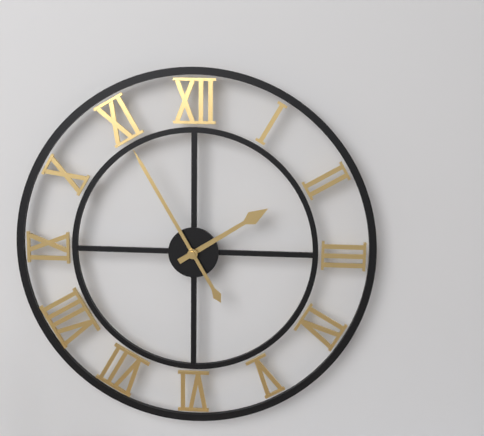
1:55
